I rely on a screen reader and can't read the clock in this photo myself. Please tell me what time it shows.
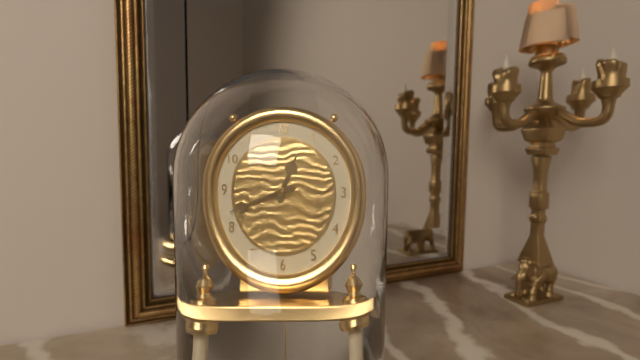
12:42
